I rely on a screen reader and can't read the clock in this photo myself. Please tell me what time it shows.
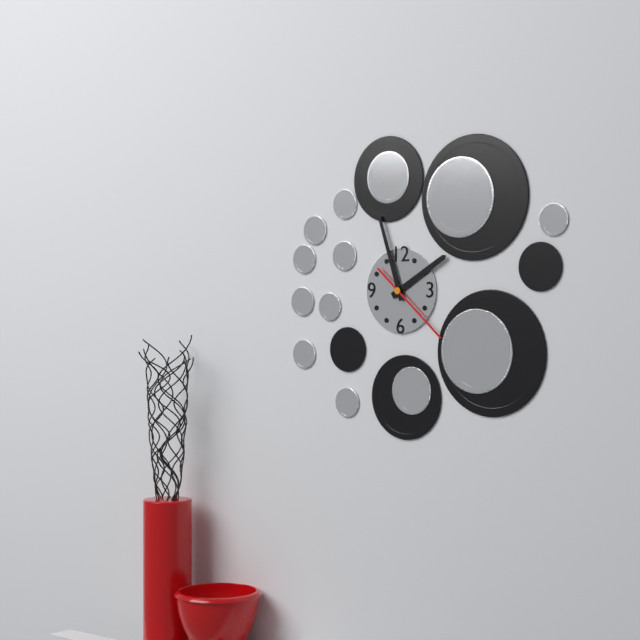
1:57:22
